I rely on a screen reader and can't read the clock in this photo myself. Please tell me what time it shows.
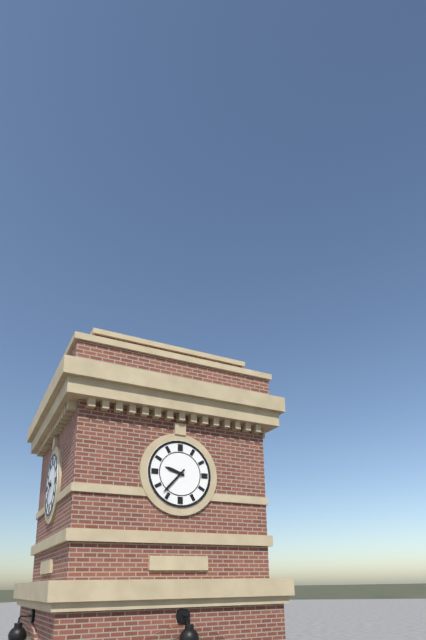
9:37
